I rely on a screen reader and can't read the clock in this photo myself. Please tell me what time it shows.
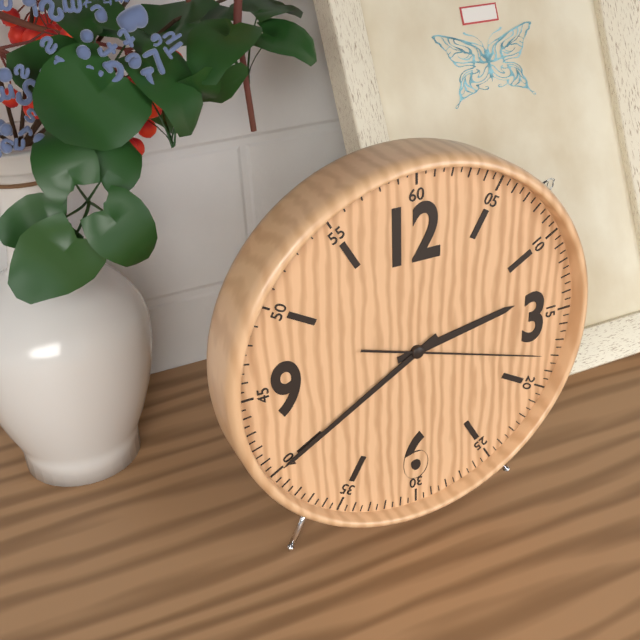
2:40:18
